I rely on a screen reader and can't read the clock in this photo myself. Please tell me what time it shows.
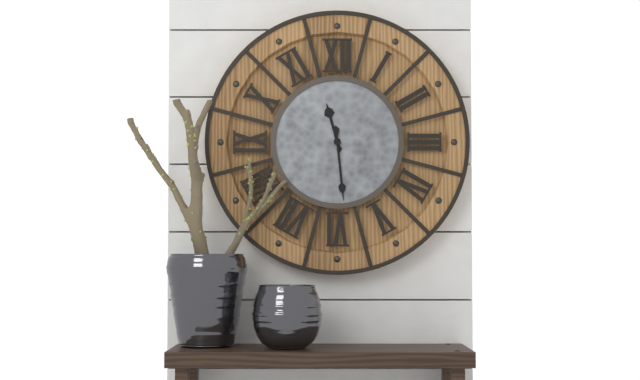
11:29
